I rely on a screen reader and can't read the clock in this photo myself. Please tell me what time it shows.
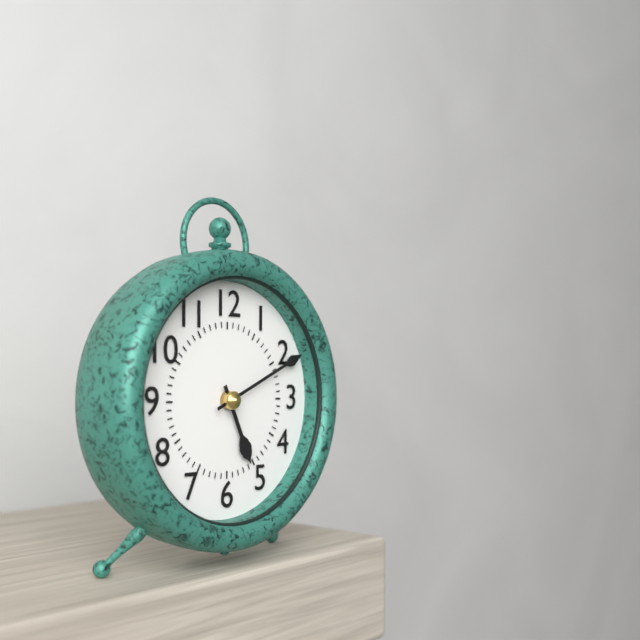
5:11
